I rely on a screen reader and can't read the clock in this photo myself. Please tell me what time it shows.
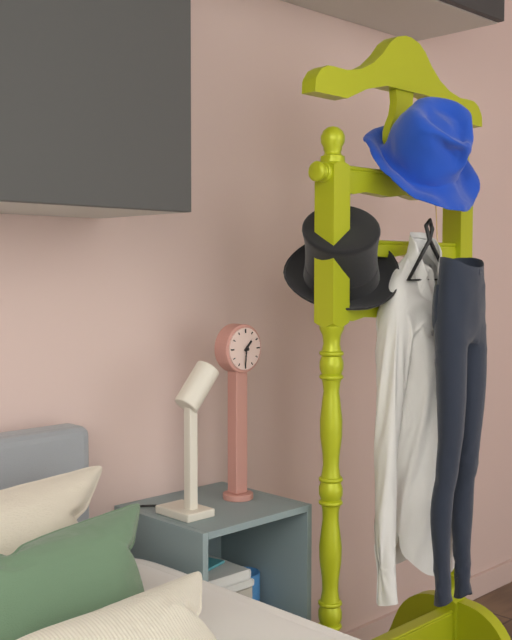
1:31
